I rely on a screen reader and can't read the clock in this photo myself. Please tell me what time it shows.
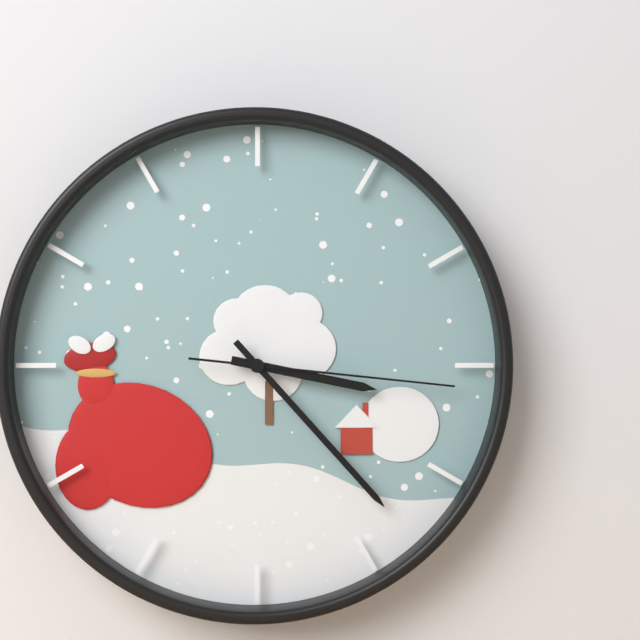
3:23:16
